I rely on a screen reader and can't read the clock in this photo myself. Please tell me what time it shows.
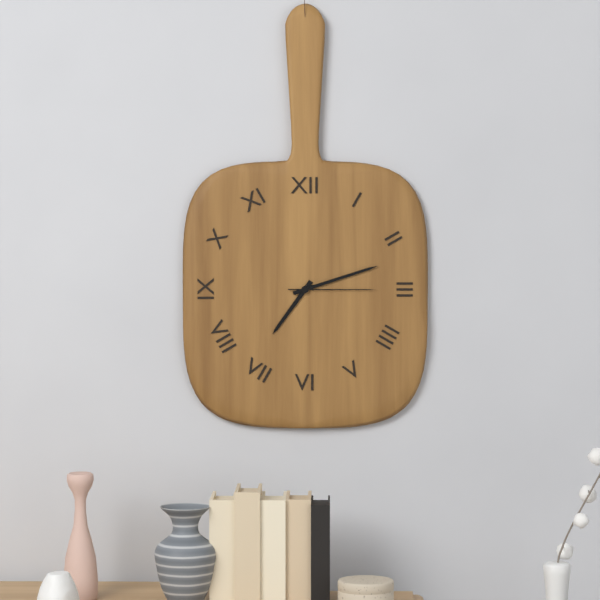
7:12:15
